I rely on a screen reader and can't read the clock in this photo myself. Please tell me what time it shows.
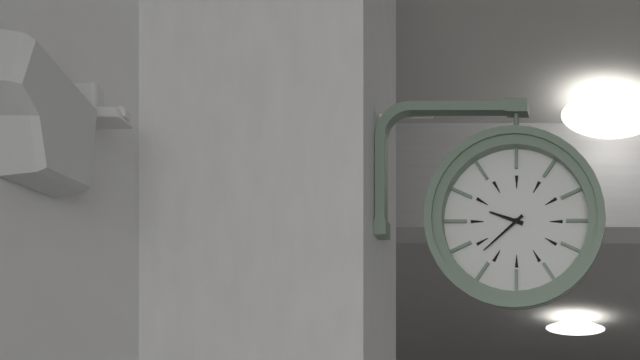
9:38
